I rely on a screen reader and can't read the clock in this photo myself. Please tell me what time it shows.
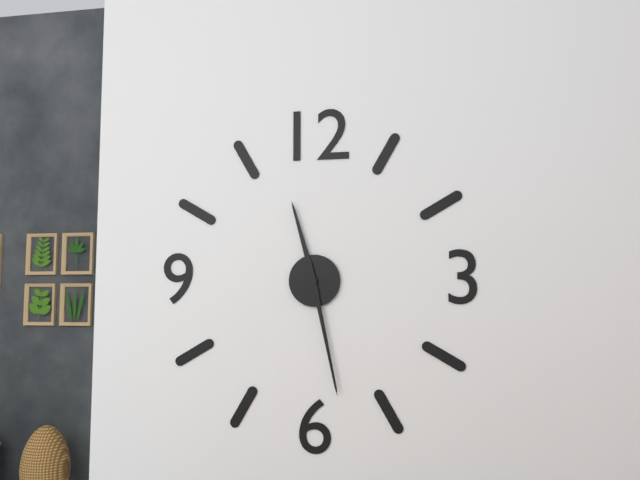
11:28
